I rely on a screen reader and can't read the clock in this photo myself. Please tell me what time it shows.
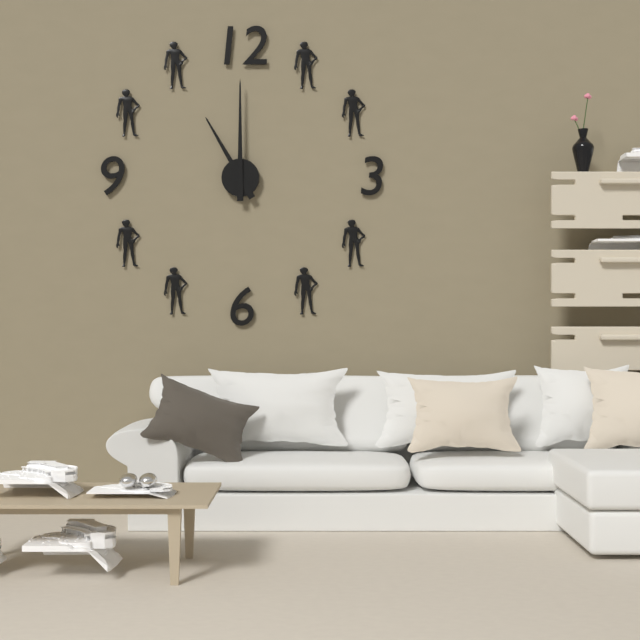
11:00
